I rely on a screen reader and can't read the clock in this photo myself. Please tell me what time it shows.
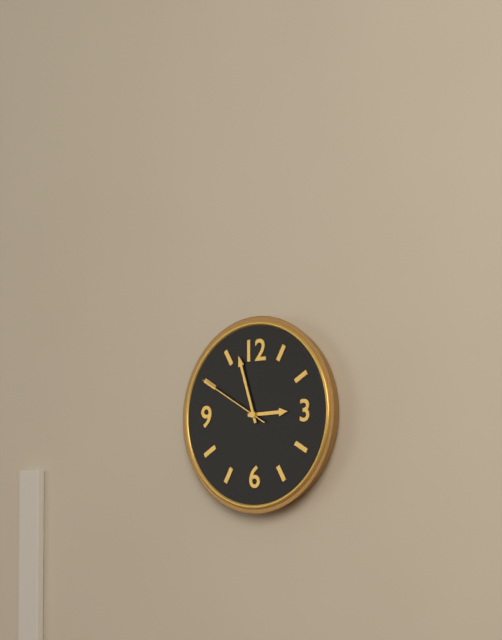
2:57:50
